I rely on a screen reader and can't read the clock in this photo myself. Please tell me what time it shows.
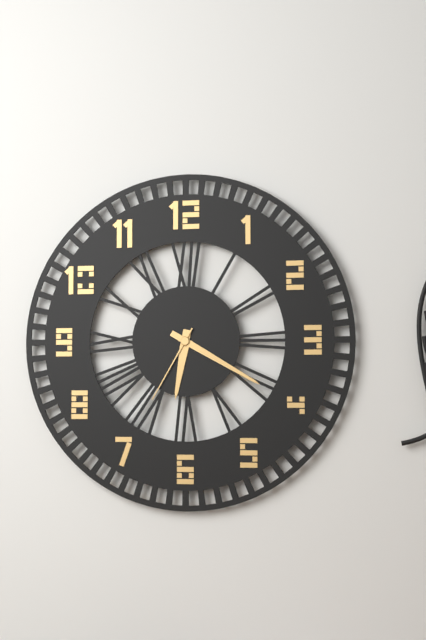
6:20:35
